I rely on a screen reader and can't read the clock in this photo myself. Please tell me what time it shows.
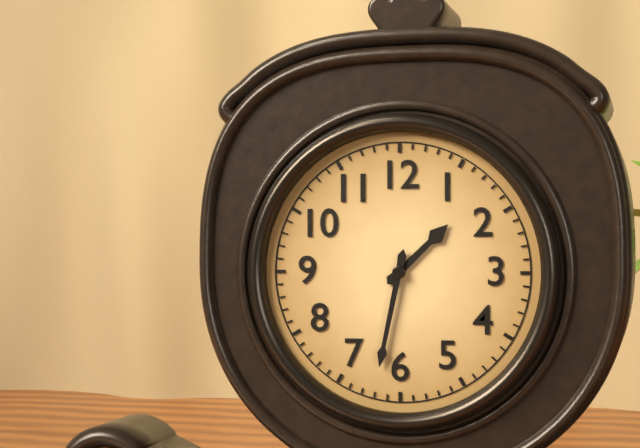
1:32
